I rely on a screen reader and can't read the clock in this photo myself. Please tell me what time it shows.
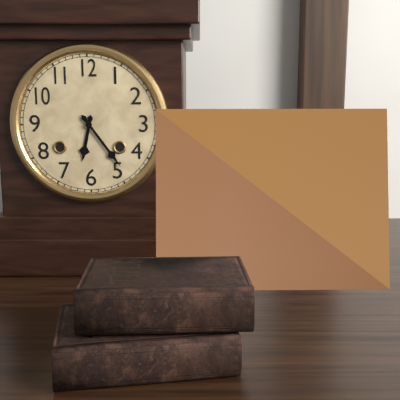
6:24
